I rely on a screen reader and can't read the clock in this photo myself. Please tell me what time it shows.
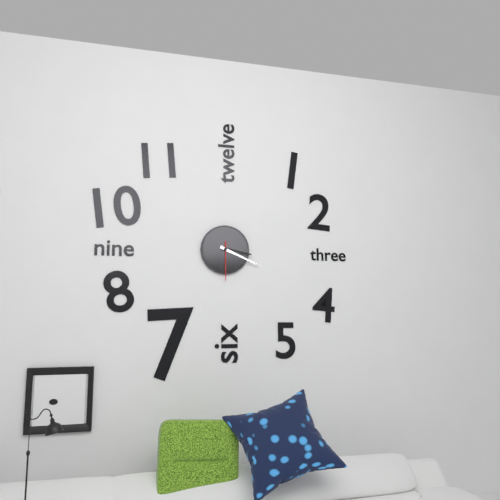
3:19
